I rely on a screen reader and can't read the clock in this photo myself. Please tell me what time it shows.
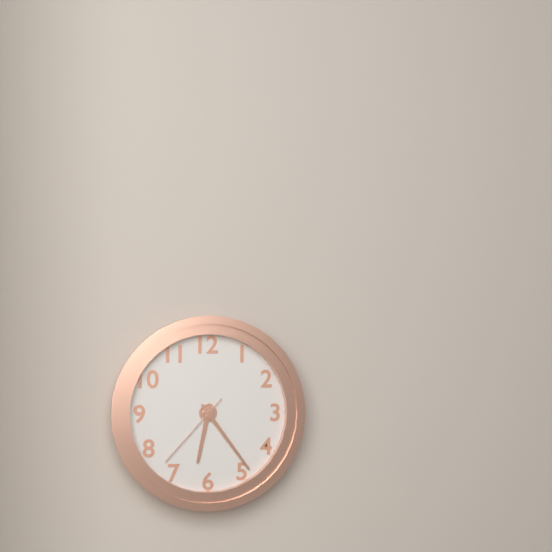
6:24:37
